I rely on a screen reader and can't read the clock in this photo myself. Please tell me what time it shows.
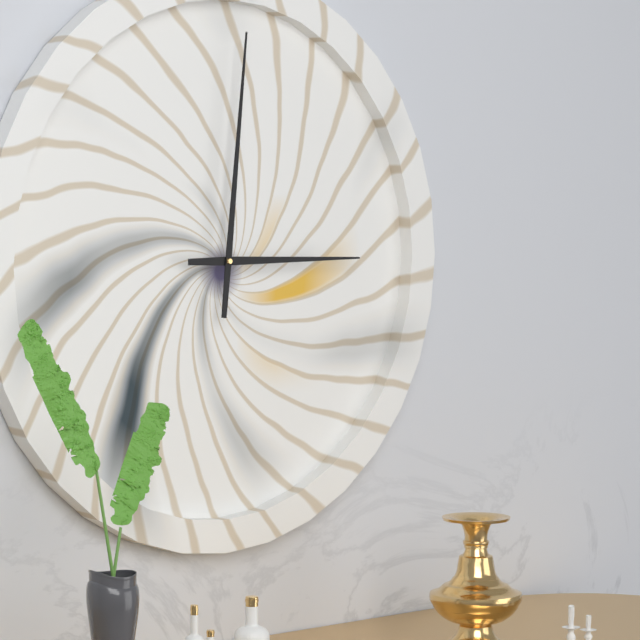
3:01
